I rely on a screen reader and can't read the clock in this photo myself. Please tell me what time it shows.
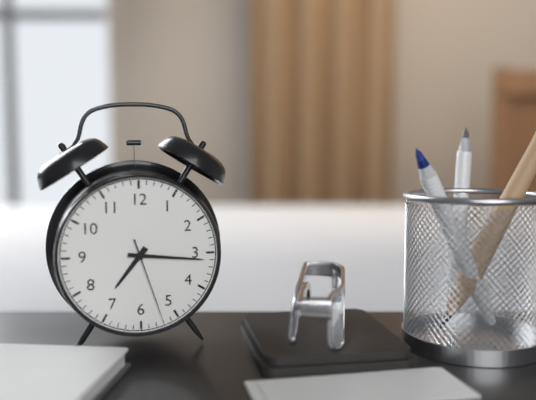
7:16:27
